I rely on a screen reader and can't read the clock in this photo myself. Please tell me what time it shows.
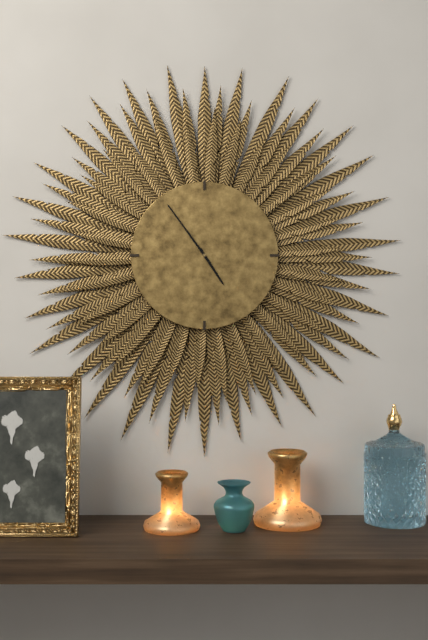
4:54
